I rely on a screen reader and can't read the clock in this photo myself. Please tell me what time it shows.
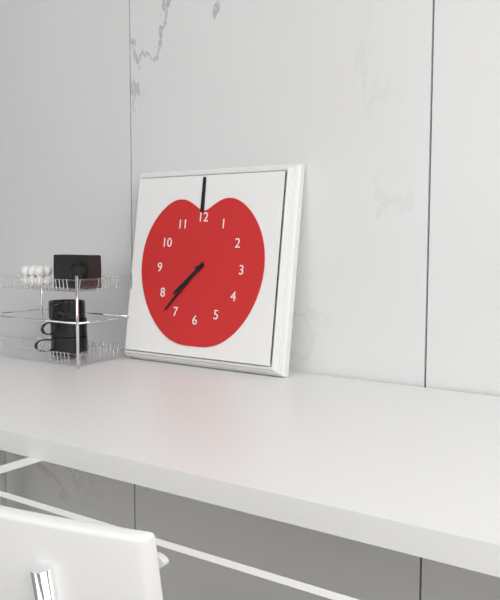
7:37
